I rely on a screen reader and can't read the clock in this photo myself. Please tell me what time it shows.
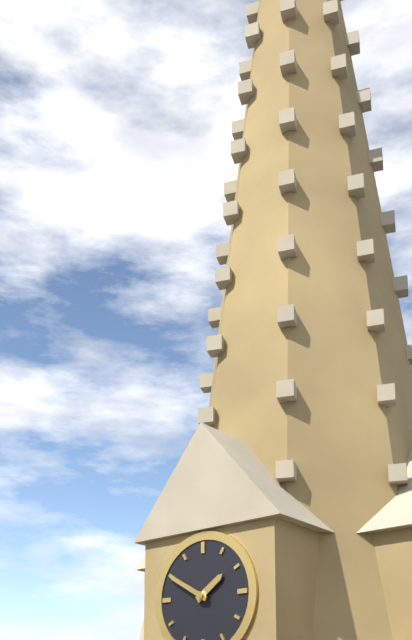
1:50
